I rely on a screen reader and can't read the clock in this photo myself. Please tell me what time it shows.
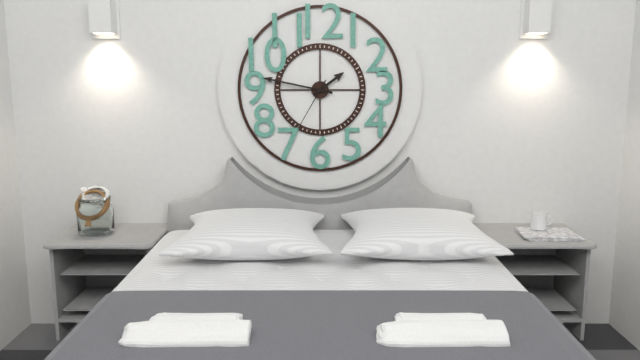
1:47:35
